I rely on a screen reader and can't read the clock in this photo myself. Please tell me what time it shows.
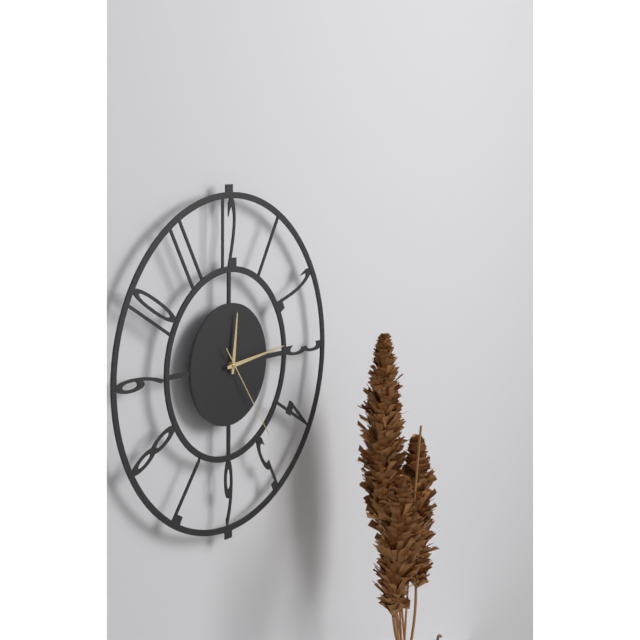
12:14:24
